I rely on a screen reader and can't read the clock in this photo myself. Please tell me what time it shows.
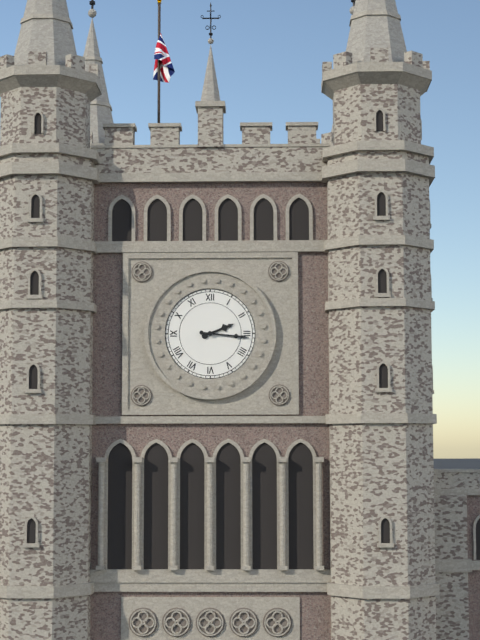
2:16
